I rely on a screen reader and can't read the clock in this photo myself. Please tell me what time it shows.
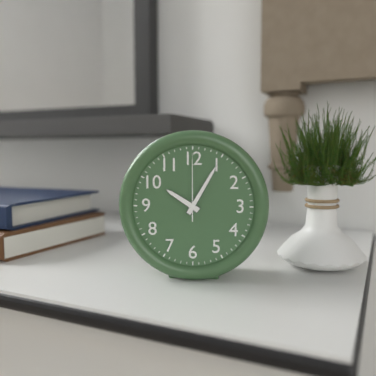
10:05:00
